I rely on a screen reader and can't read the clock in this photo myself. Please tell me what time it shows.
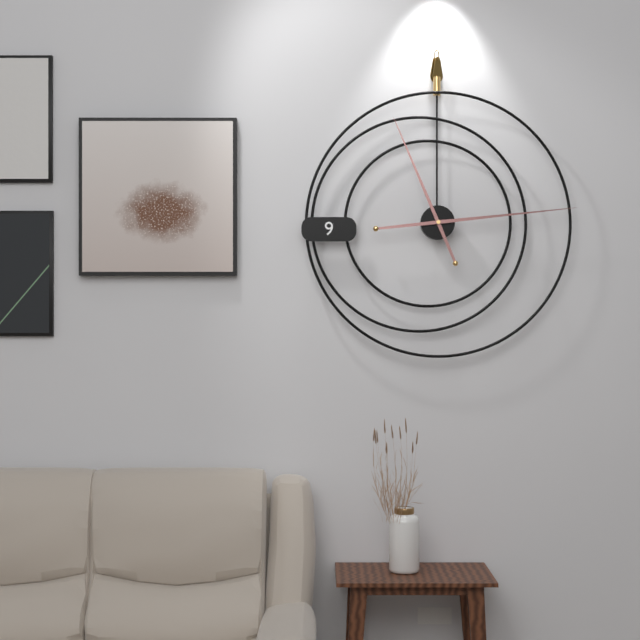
11:14
